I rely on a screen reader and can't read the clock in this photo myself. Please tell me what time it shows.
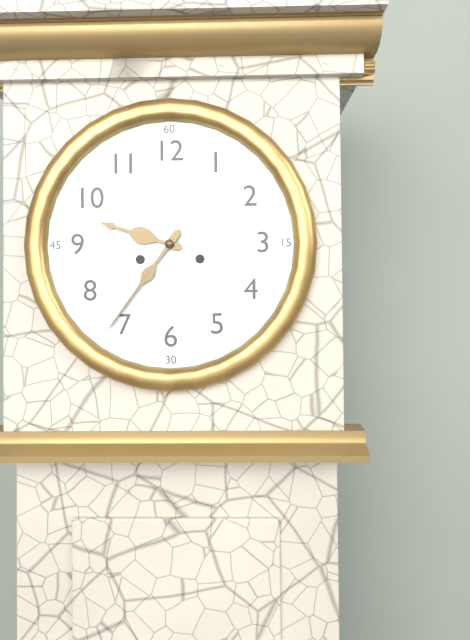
9:36
